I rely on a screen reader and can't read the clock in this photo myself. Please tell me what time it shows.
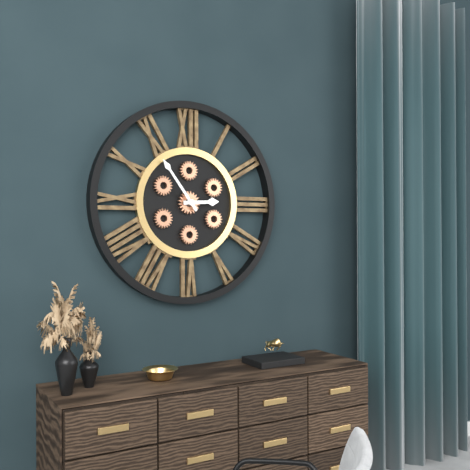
2:54
